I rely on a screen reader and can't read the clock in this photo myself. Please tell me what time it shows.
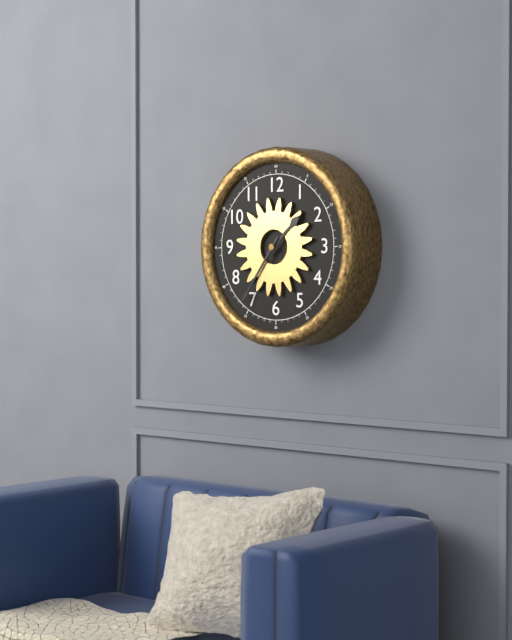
1:36
